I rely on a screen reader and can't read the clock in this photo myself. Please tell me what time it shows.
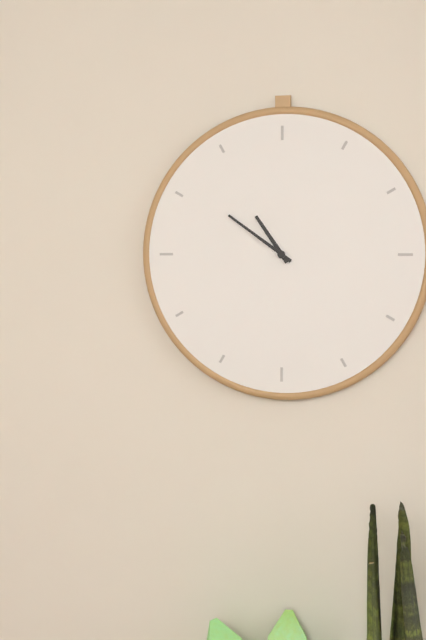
10:51
